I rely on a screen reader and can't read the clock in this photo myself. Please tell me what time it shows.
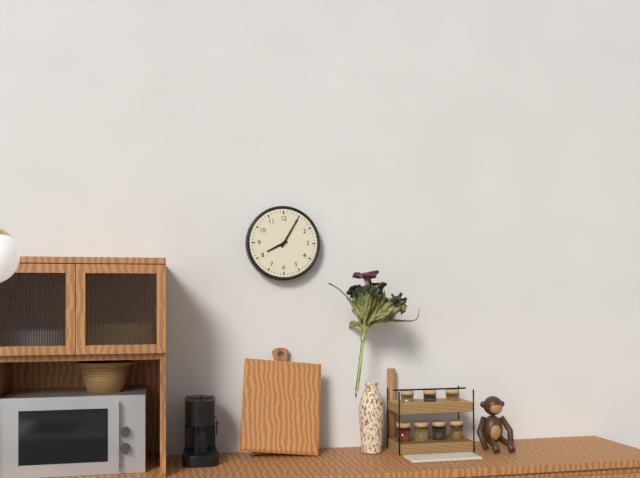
8:05
